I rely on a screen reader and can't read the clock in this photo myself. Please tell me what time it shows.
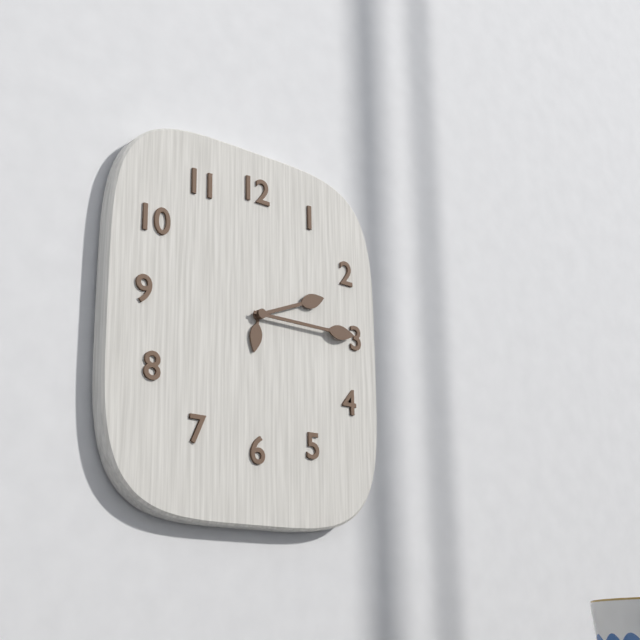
2:15
